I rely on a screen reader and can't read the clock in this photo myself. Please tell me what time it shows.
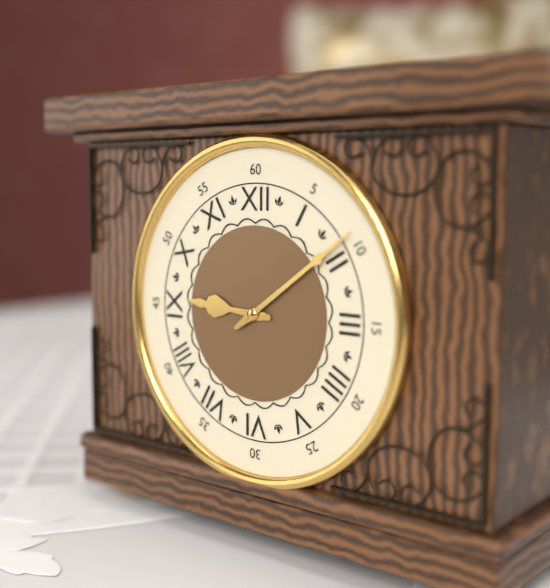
9:09
